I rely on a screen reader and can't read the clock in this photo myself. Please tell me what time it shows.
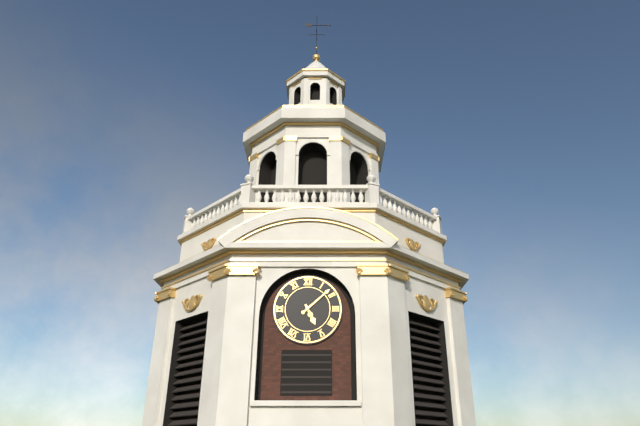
5:08
